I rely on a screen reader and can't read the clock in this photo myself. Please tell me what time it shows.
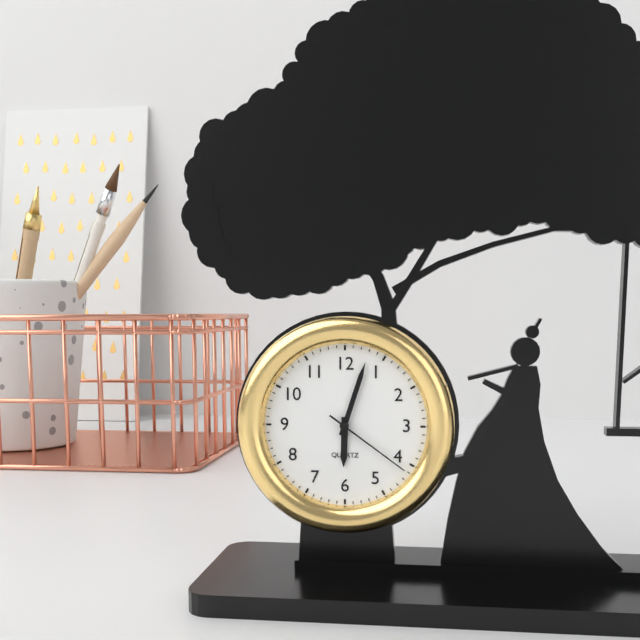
6:03:21
